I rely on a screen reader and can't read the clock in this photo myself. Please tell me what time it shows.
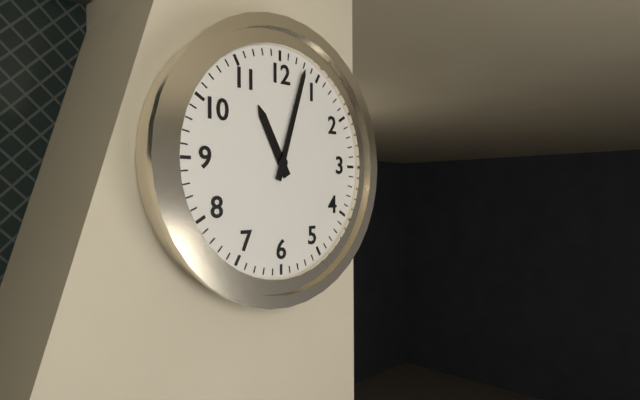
11:03
